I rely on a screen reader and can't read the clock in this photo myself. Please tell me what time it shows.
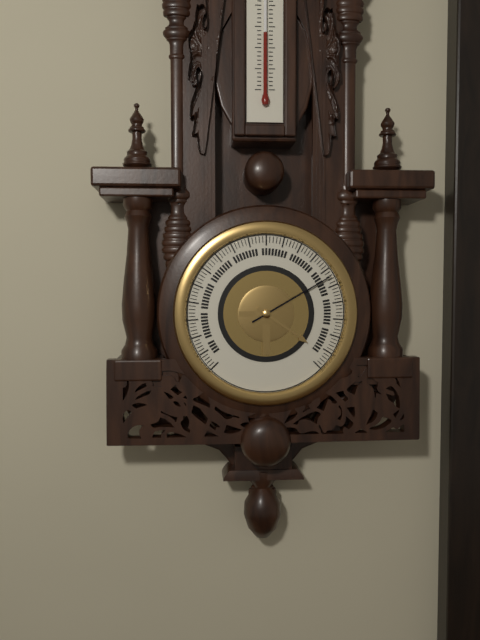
4:10
